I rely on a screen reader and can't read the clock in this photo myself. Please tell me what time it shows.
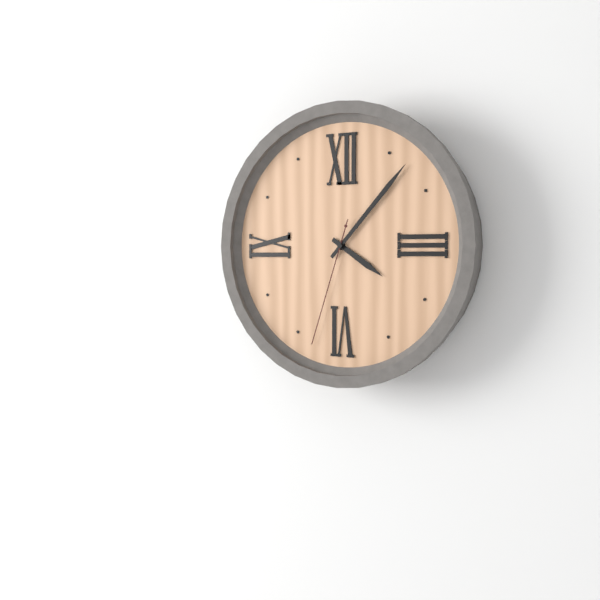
4:07:33
